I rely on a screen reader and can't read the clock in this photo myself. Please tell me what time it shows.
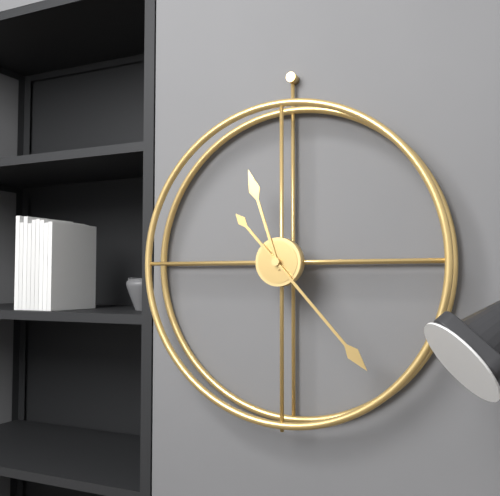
11:23
